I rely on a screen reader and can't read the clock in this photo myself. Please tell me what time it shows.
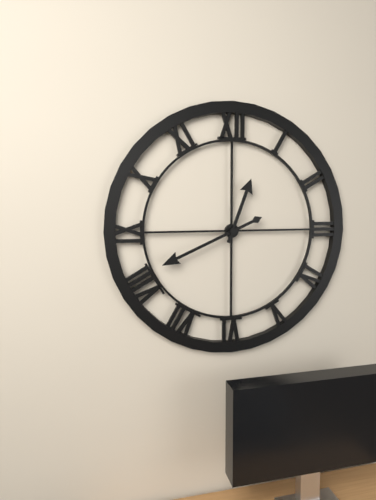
12:41
